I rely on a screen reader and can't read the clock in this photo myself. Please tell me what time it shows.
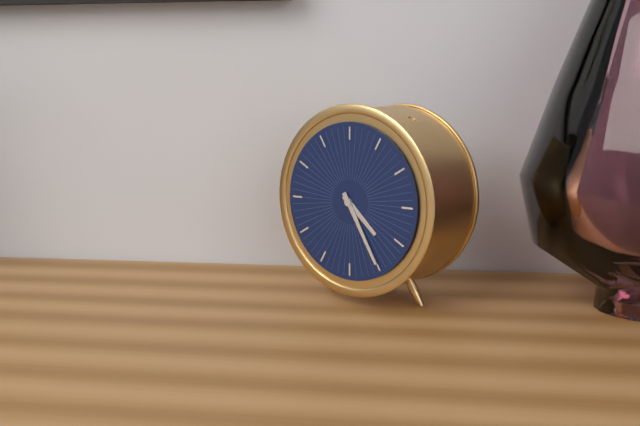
4:25
